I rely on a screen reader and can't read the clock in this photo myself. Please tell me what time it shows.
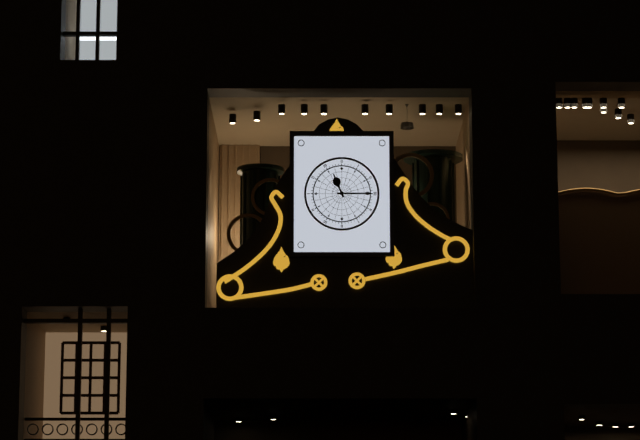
11:15
